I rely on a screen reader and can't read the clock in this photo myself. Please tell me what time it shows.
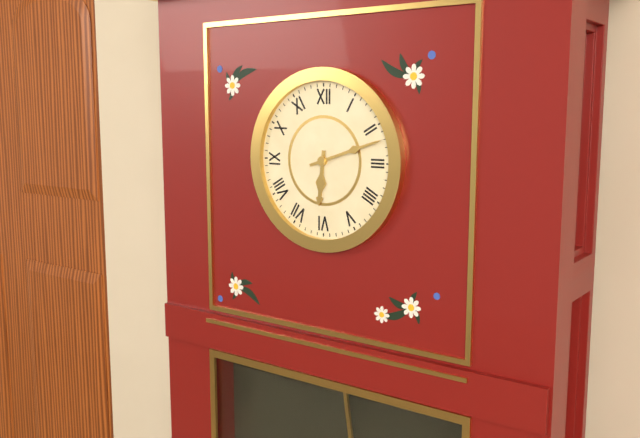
6:12
